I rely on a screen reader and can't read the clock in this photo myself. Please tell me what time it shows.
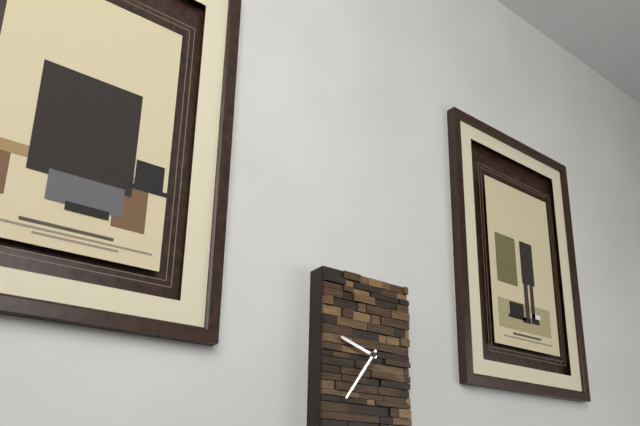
9:36
